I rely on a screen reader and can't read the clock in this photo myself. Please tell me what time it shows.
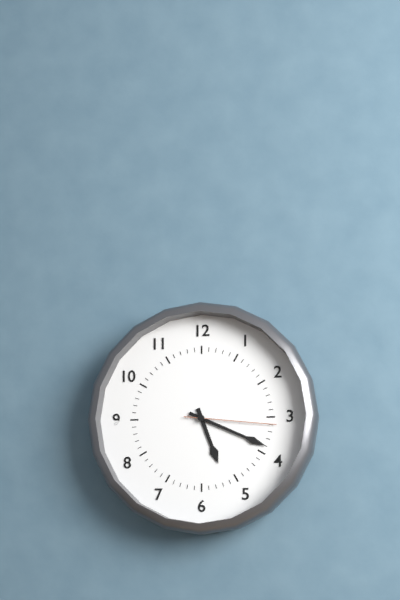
5:19:16
